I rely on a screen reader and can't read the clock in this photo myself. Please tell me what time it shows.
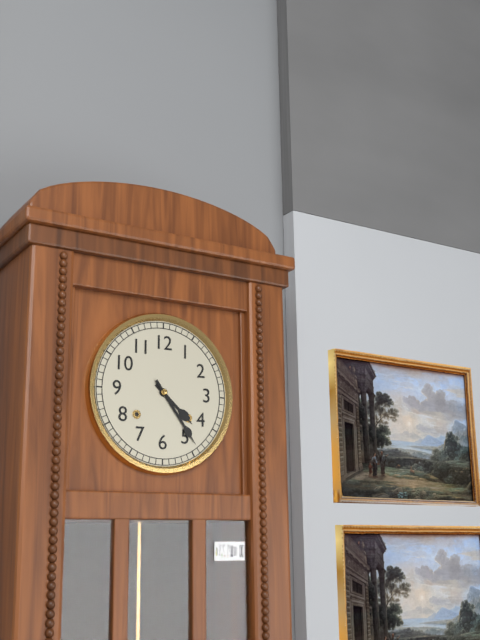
4:24
